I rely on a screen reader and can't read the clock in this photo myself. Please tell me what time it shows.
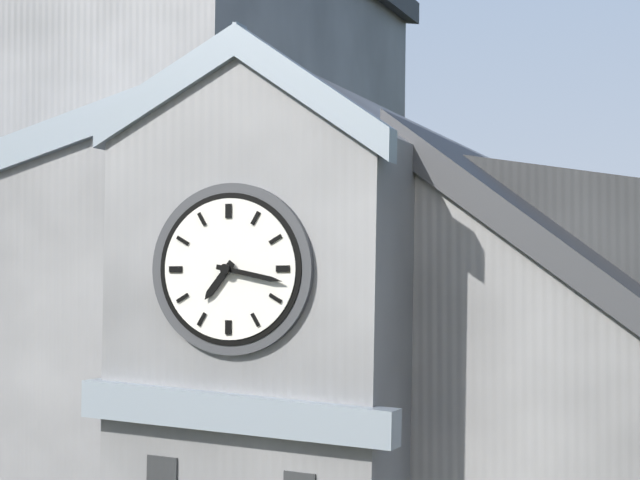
7:17
